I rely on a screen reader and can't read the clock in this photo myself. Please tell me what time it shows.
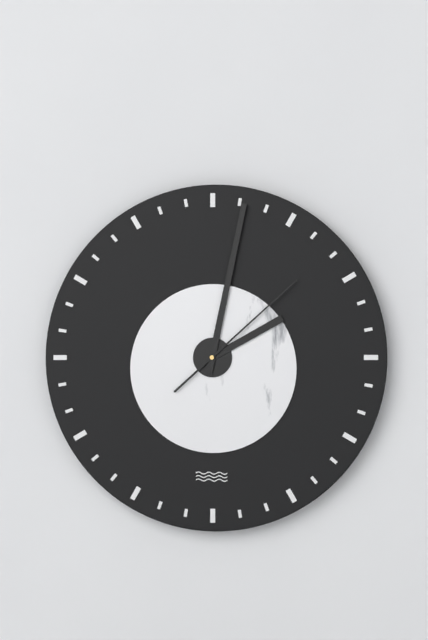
2:02:08
